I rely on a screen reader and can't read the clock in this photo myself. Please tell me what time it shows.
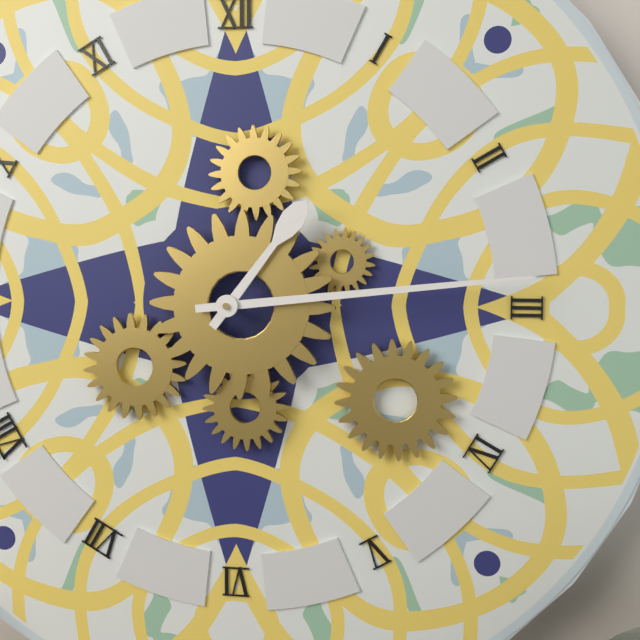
1:14
